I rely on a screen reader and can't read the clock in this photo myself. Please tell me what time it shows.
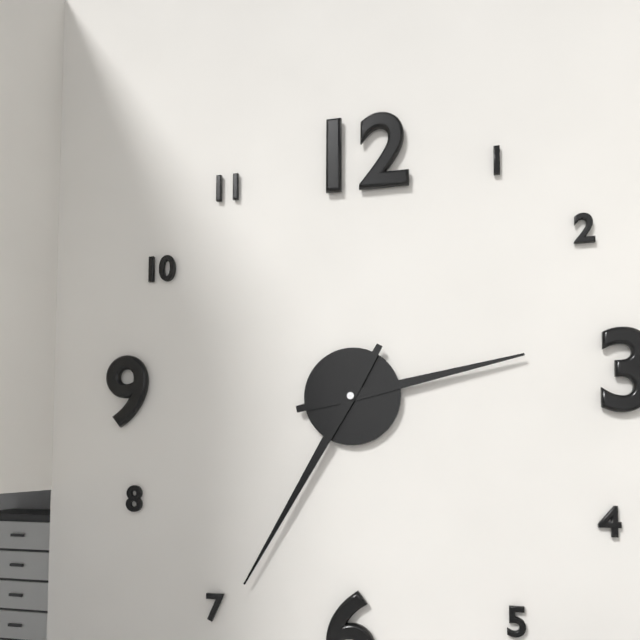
2:35
